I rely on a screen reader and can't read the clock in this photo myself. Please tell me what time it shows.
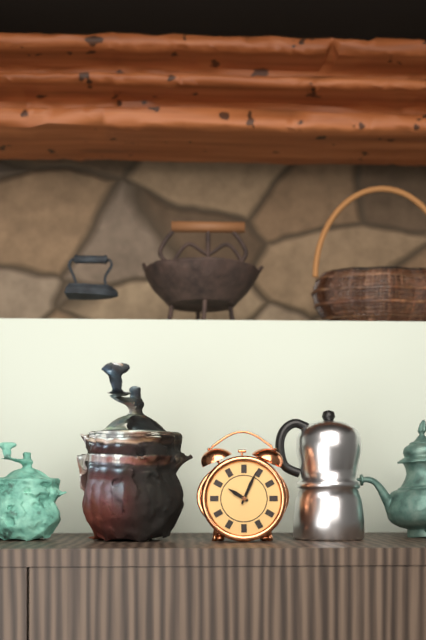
10:04
